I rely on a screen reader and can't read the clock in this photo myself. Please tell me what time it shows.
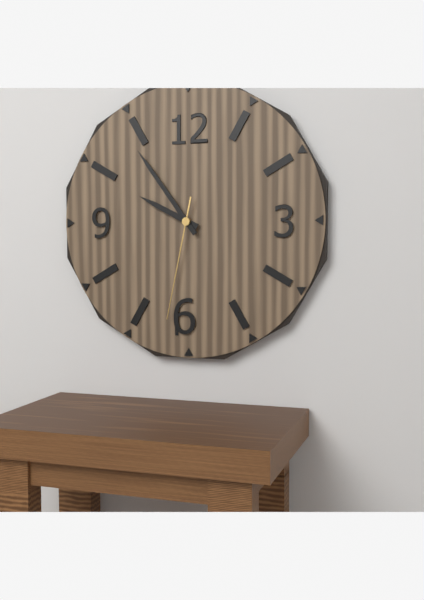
9:54:32
